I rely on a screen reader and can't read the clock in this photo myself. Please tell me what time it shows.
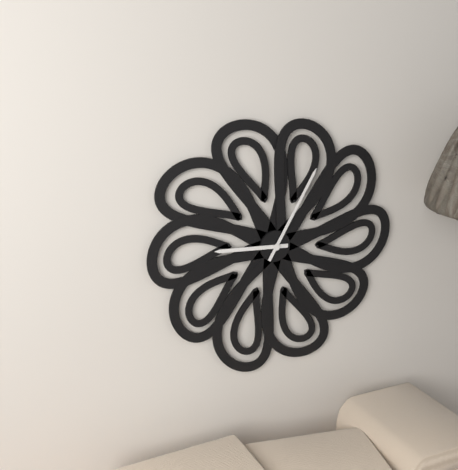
9:05
